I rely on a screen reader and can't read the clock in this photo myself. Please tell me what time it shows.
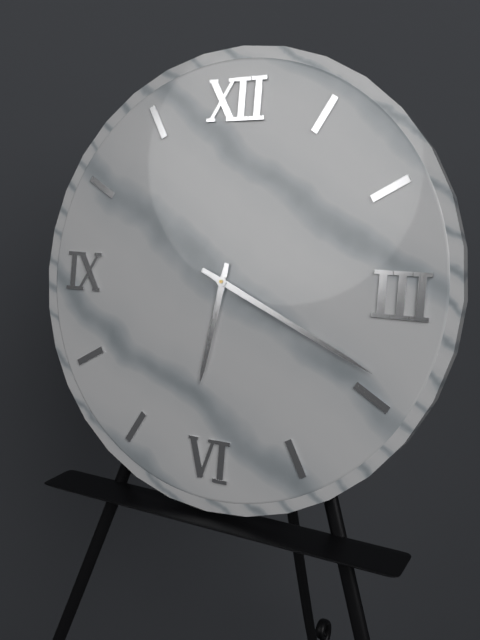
6:19
